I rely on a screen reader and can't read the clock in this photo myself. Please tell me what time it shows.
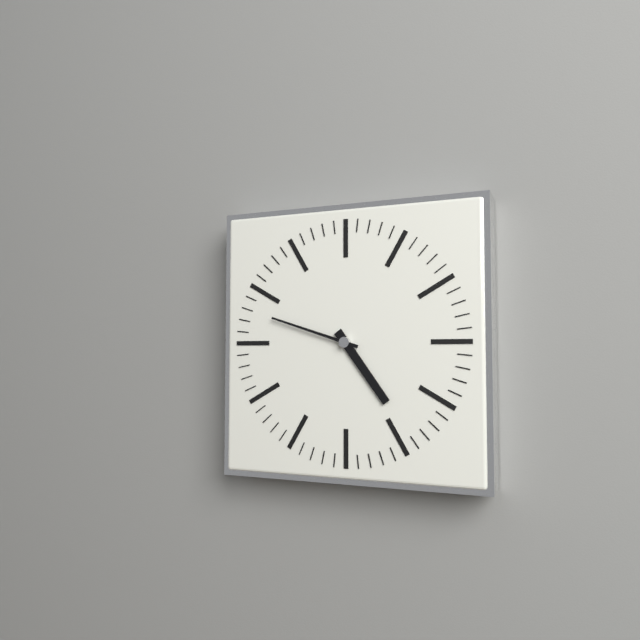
4:48
